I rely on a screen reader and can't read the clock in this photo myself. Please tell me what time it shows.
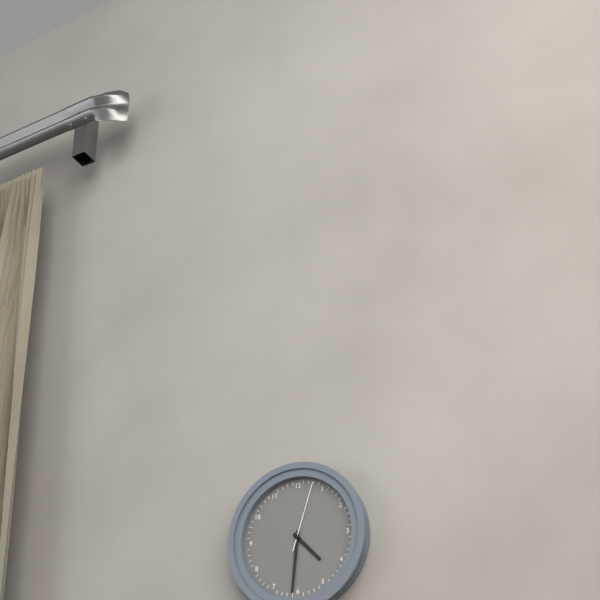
4:31:03
